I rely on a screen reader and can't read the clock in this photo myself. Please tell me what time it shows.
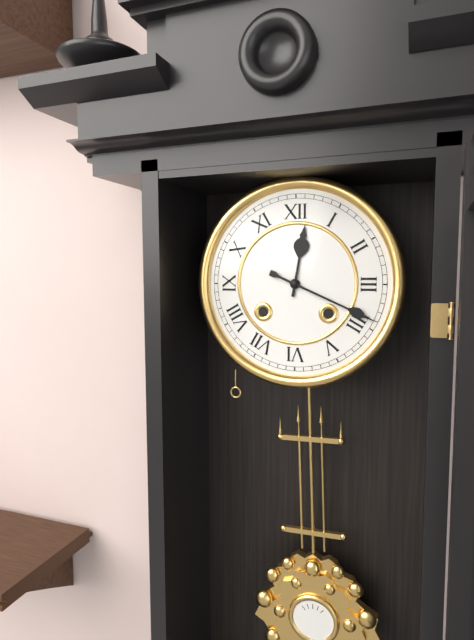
12:19
